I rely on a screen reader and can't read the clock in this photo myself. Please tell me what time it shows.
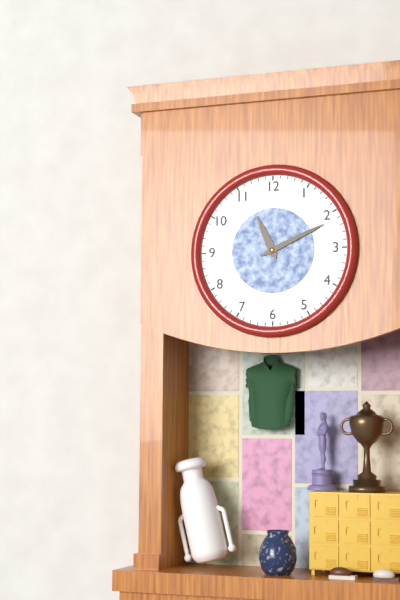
11:11
